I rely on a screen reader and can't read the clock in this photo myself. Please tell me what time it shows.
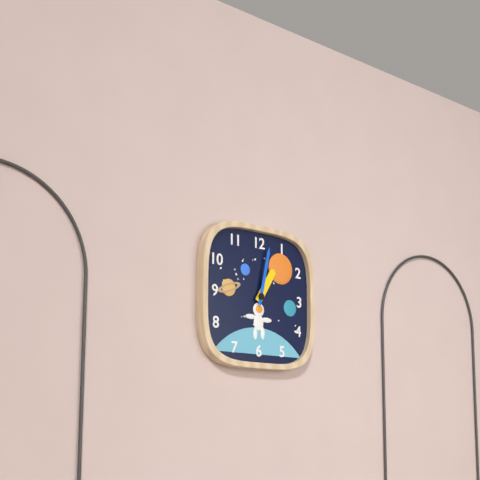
1:02
